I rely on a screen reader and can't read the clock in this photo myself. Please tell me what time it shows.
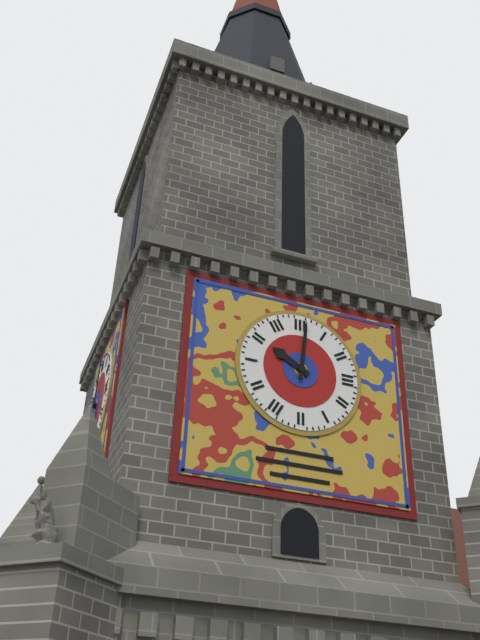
10:01
